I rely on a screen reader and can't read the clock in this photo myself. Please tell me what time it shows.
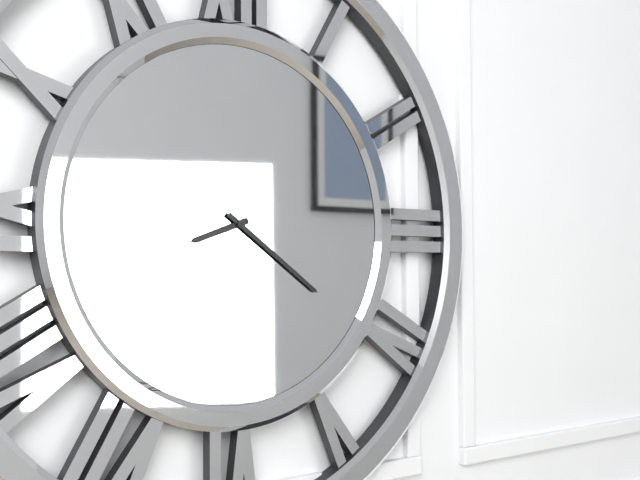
8:21
